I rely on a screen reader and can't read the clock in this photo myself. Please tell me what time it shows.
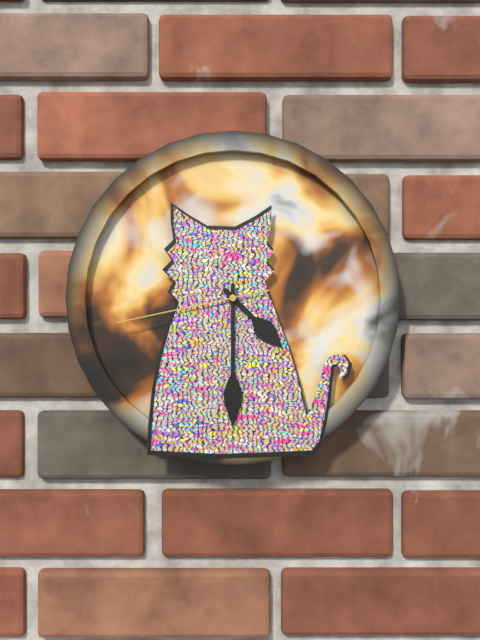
4:30:43
